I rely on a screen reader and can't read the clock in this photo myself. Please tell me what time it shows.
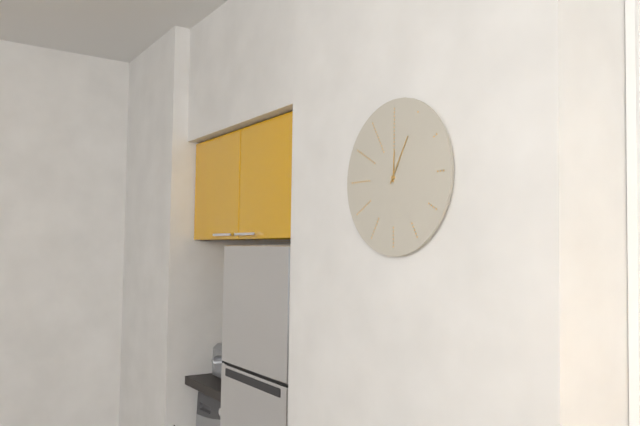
12:05
